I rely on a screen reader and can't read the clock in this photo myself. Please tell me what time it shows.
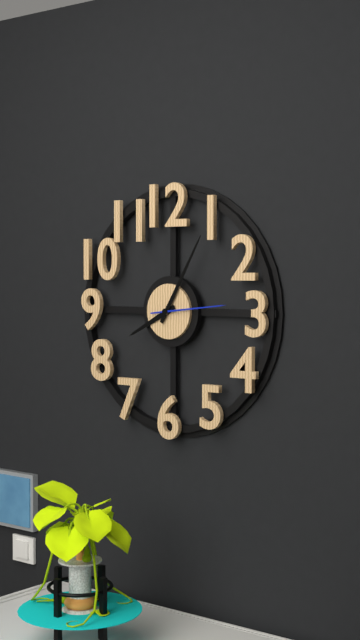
8:05:14
